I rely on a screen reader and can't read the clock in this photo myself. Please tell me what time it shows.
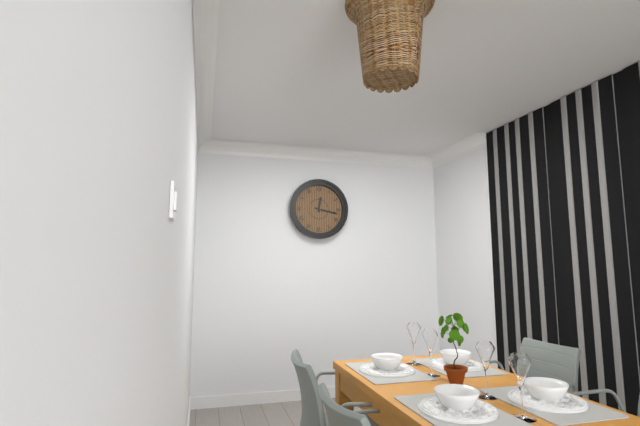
12:17
